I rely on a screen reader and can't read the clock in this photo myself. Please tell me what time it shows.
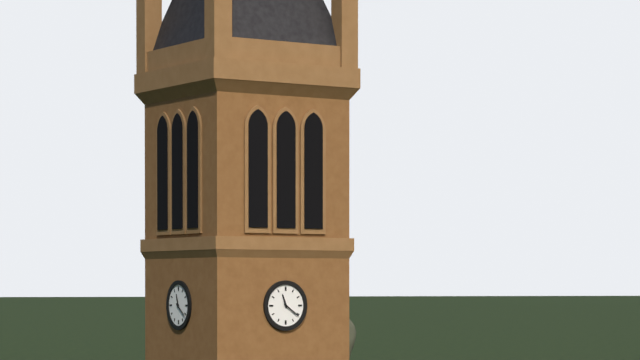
11:21
